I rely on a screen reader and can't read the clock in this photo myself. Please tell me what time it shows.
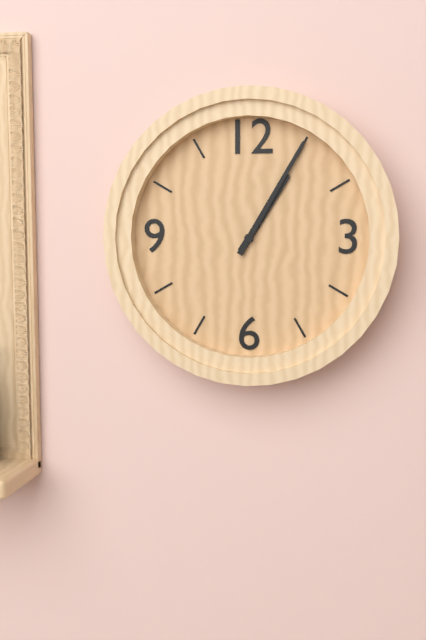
1:05
